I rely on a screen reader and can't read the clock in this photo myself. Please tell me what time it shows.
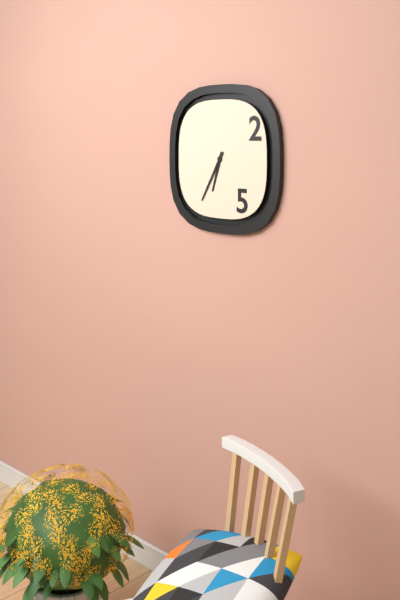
6:35
